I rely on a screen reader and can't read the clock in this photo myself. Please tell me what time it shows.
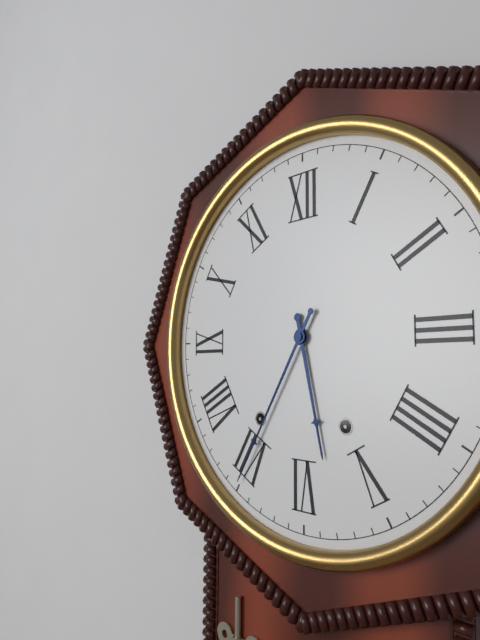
5:35
